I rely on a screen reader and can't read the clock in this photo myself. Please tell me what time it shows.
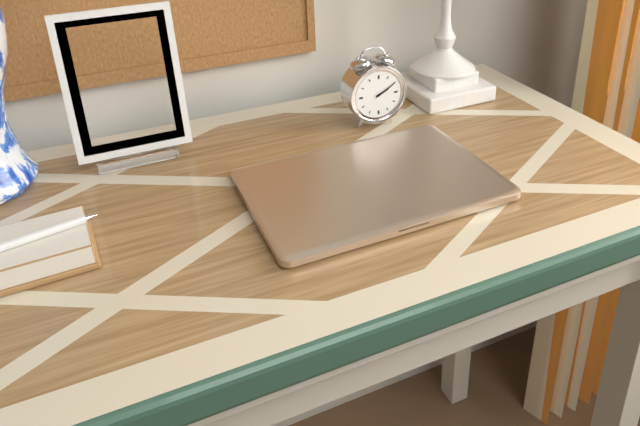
2:10
